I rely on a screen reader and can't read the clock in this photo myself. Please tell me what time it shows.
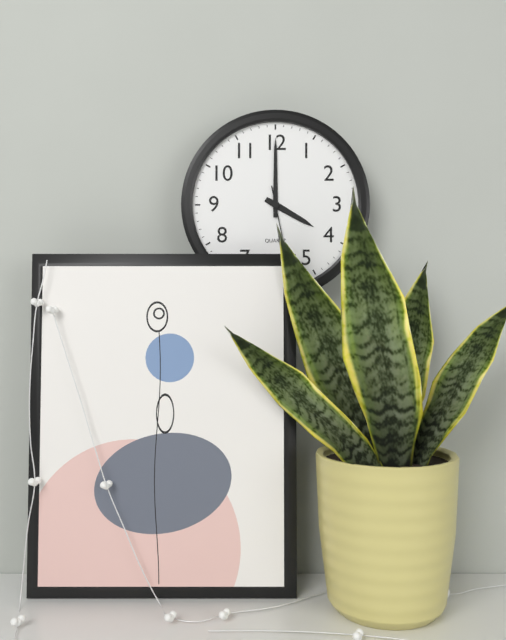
4:00
